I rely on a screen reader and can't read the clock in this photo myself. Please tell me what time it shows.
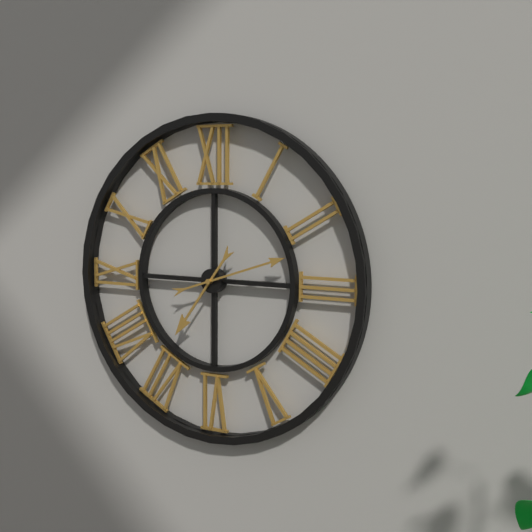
7:12
